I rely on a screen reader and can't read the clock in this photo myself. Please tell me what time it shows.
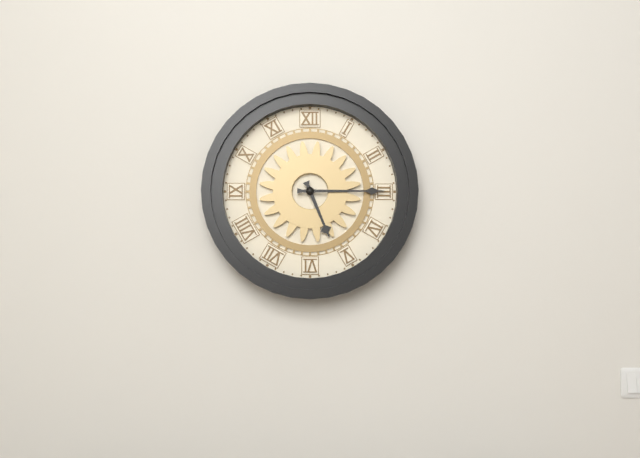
5:15
